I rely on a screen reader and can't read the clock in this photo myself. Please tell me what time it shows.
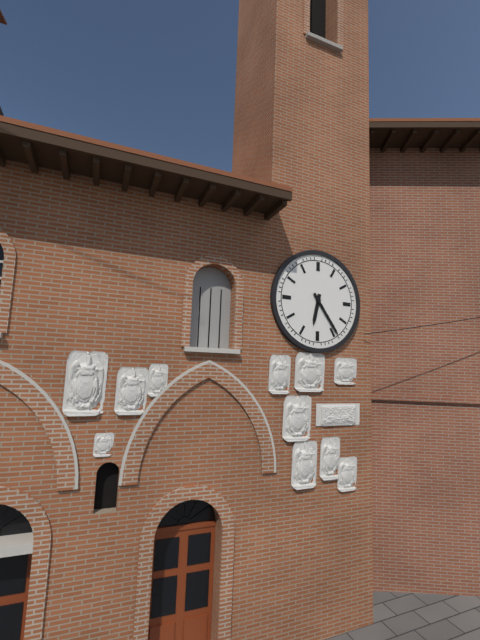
6:24
